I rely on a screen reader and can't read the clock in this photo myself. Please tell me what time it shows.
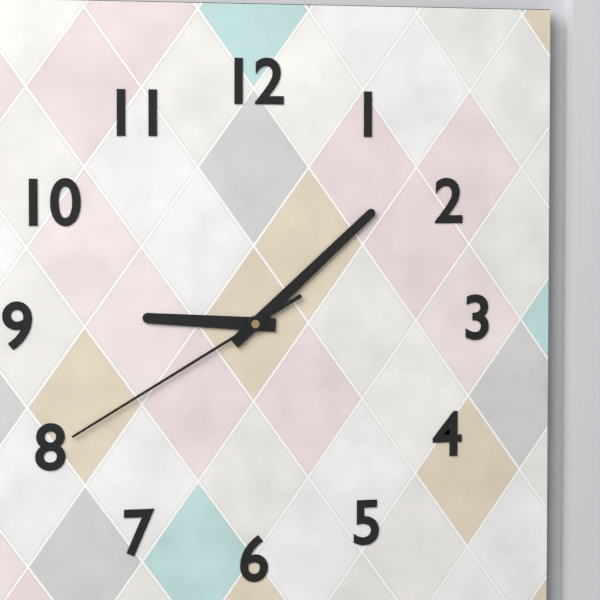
9:08:40
